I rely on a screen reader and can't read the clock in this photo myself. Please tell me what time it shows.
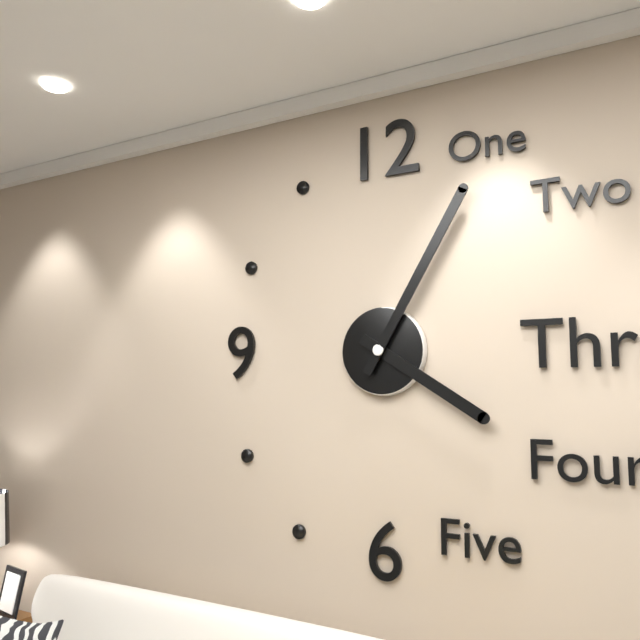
4:05
